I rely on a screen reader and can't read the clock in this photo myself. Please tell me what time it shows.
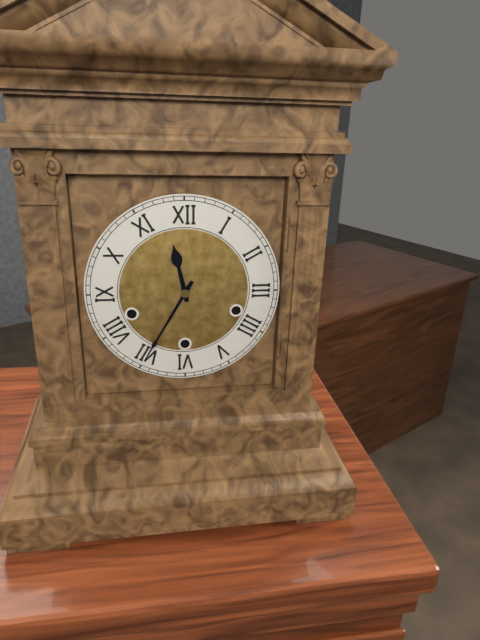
11:35
